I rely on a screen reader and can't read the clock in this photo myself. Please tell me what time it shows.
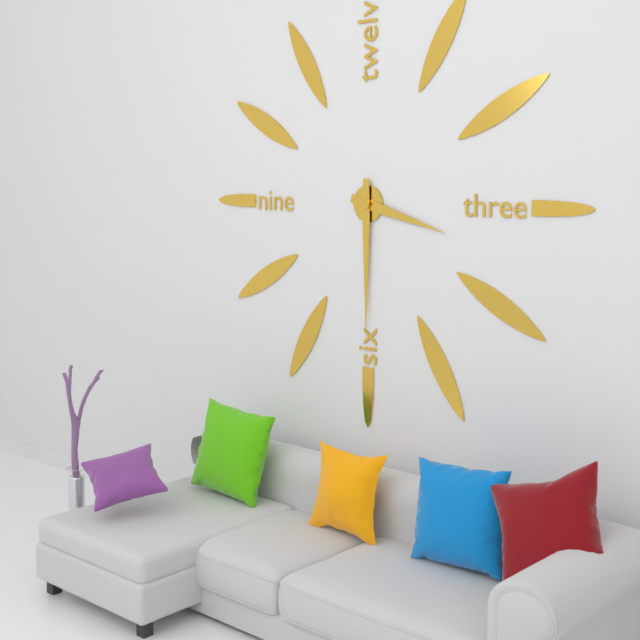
3:30
